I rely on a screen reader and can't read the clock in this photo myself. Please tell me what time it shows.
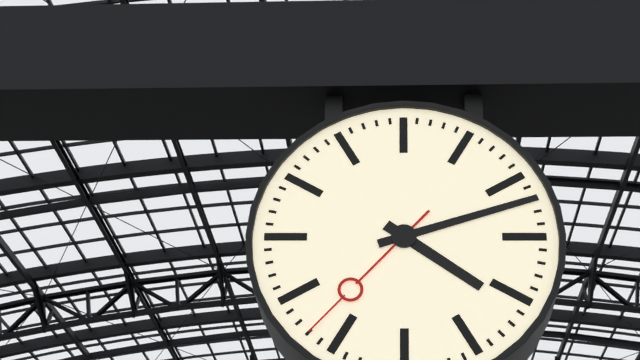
4:12:37
